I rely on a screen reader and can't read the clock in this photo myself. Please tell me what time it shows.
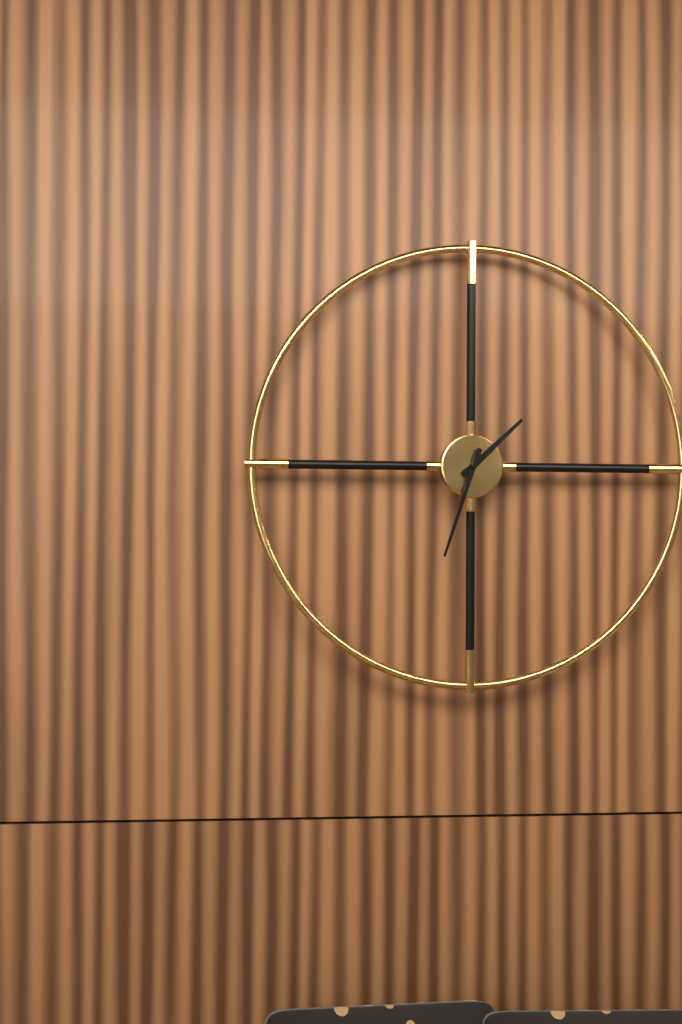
1:33
